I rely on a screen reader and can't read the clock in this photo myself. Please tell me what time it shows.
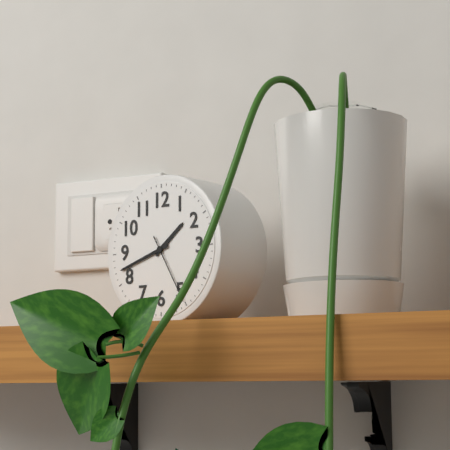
1:42:25
